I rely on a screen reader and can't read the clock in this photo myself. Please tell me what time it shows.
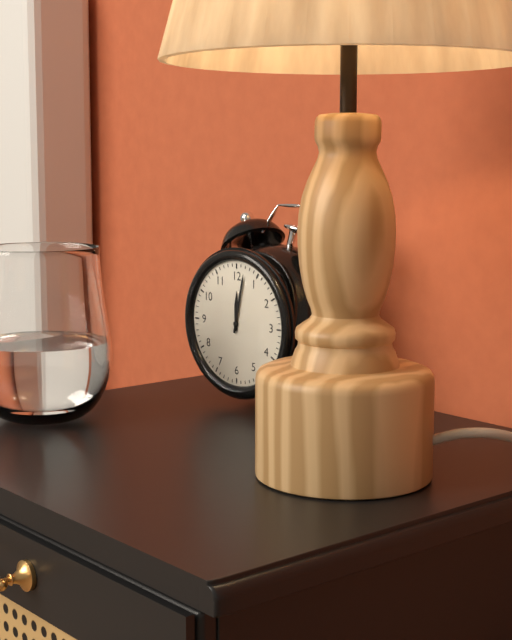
12:02
